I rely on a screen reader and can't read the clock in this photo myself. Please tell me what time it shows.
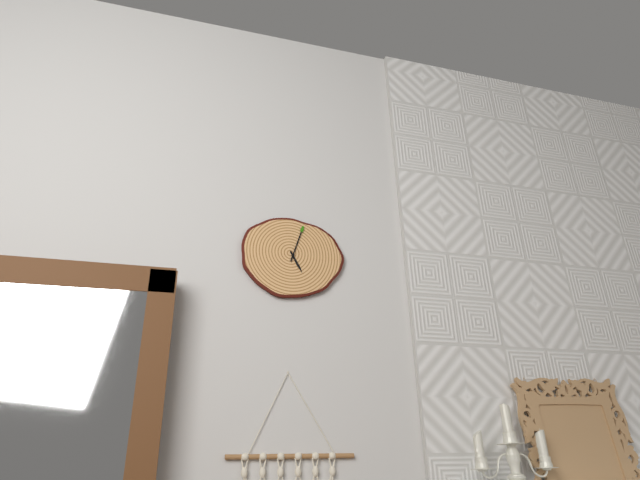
5:03
